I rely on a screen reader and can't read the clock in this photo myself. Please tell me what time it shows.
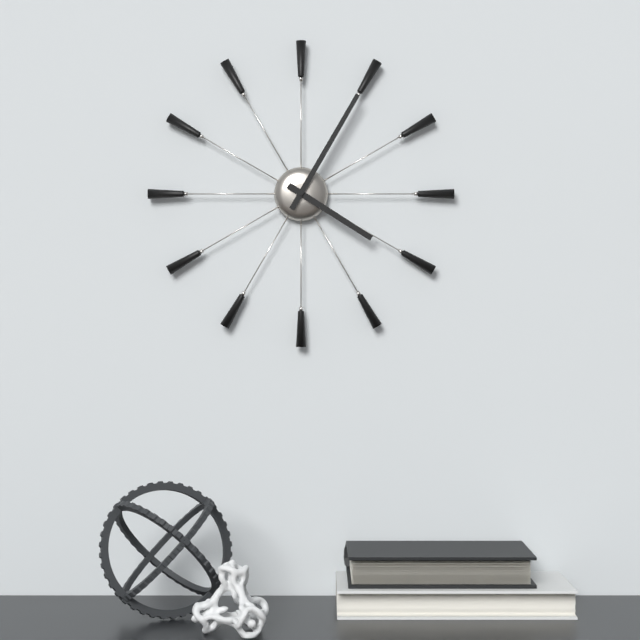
4:05
